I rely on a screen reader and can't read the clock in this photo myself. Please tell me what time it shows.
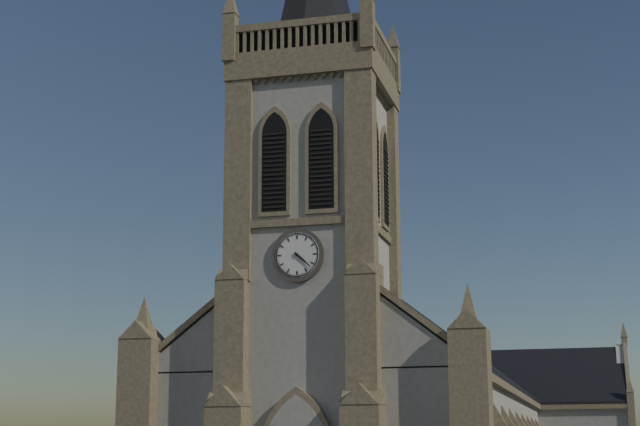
4:22
